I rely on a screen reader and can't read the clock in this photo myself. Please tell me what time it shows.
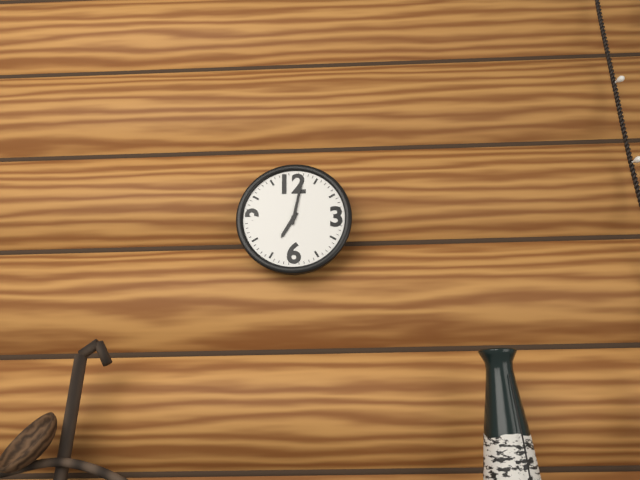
7:02
